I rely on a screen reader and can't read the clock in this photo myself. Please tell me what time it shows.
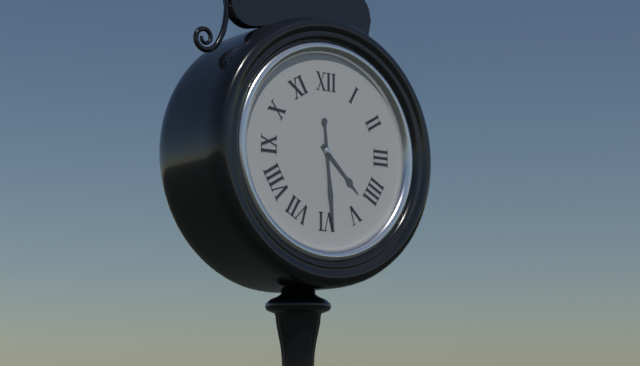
4:29
